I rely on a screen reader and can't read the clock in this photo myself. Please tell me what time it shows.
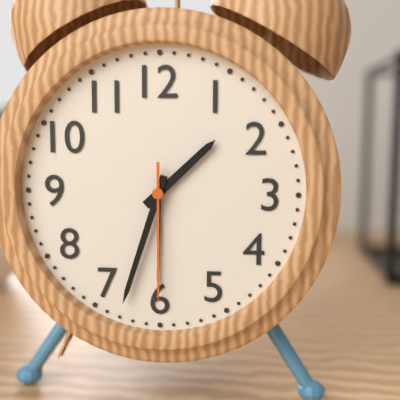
1:33:30
